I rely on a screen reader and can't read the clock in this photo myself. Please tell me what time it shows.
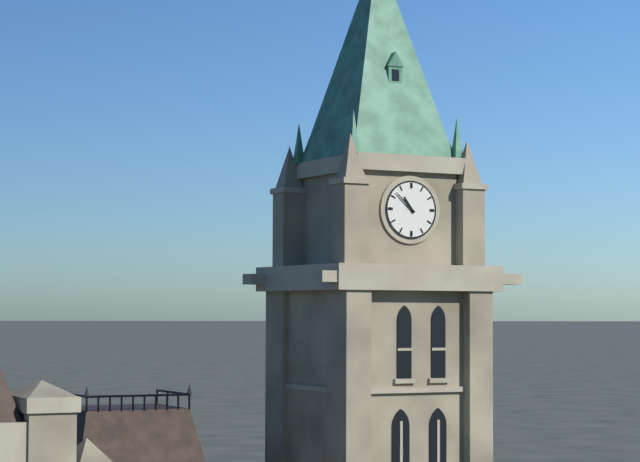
10:52
